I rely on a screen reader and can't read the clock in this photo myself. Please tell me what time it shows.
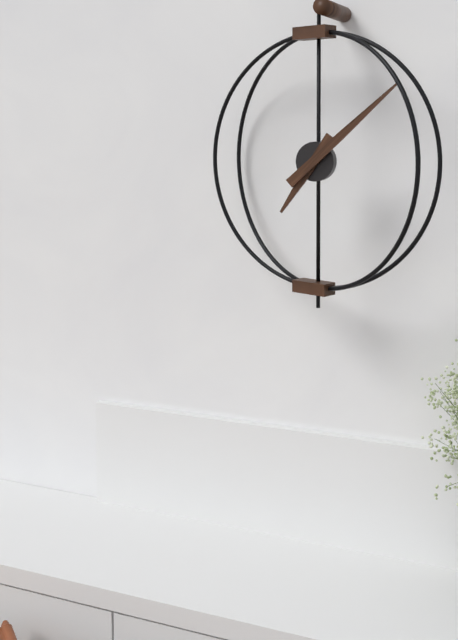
7:08
